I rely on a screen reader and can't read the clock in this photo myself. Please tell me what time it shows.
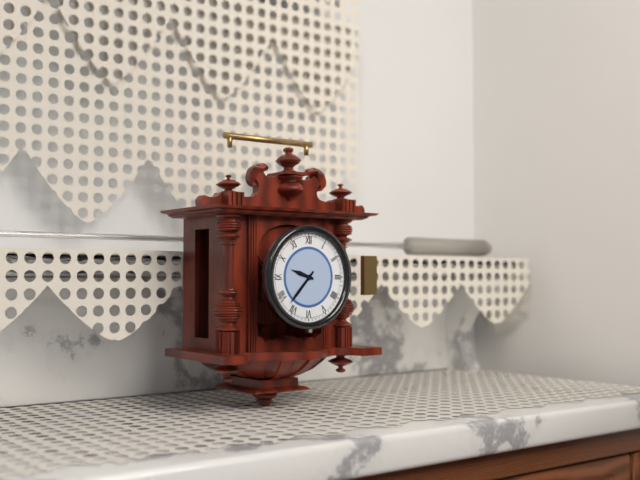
9:37
